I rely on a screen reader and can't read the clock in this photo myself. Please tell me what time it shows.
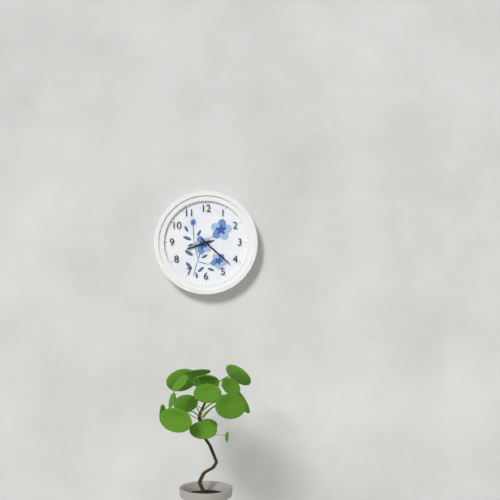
8:22
